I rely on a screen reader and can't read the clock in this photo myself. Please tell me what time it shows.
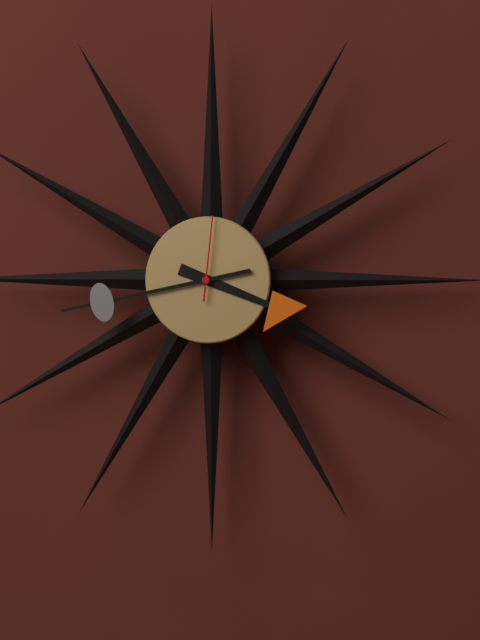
3:43:01
